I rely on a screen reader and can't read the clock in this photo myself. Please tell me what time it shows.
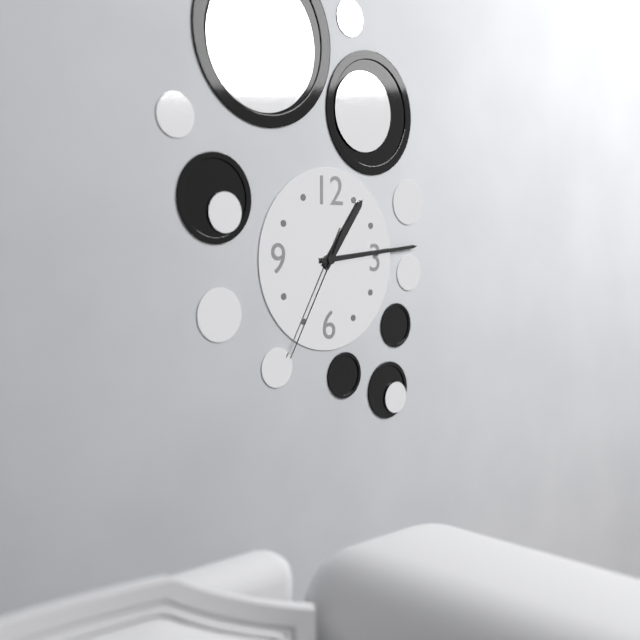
1:14:35
